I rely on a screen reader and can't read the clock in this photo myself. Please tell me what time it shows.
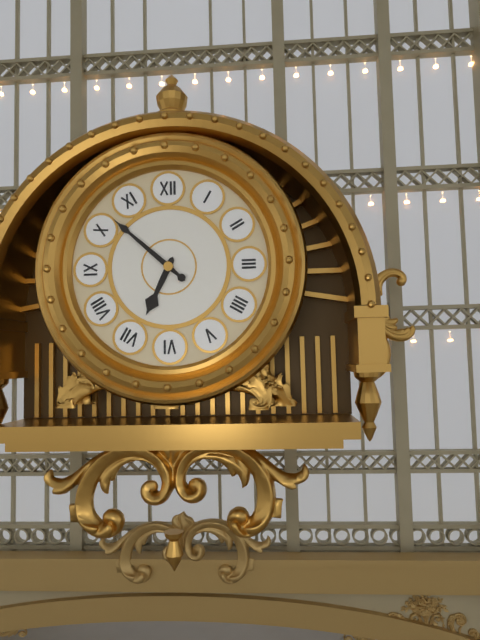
6:52
